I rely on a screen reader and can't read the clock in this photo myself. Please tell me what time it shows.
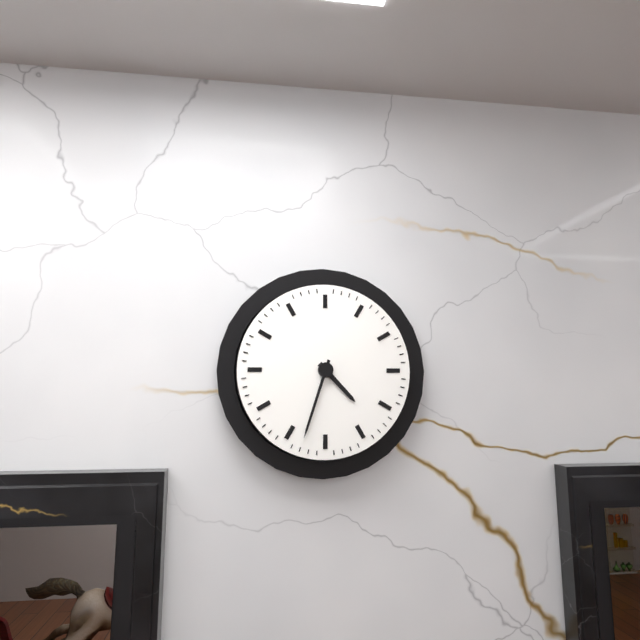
4:33
